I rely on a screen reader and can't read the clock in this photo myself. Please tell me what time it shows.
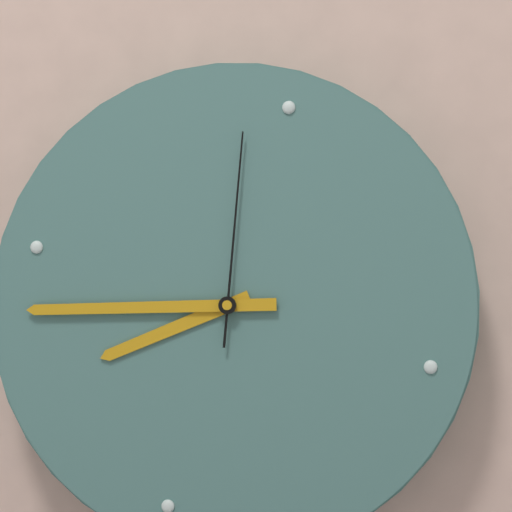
7:42:58
